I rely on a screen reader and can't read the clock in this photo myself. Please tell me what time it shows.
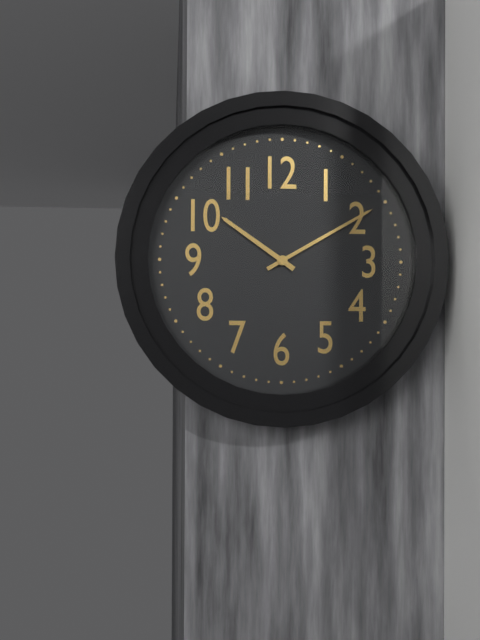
10:10
